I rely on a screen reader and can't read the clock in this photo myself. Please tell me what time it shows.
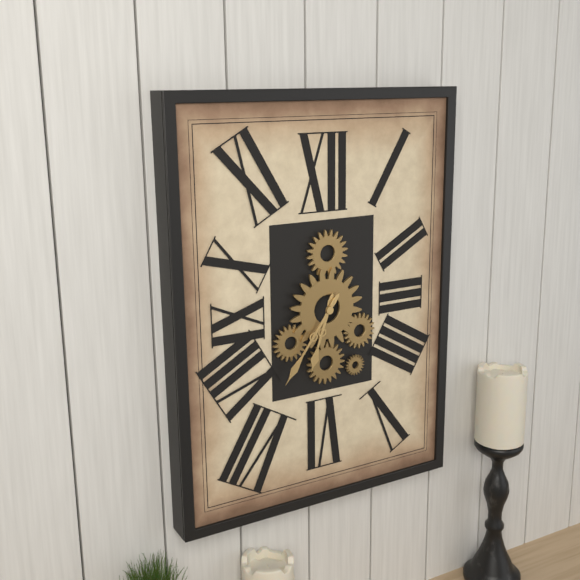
6:36
